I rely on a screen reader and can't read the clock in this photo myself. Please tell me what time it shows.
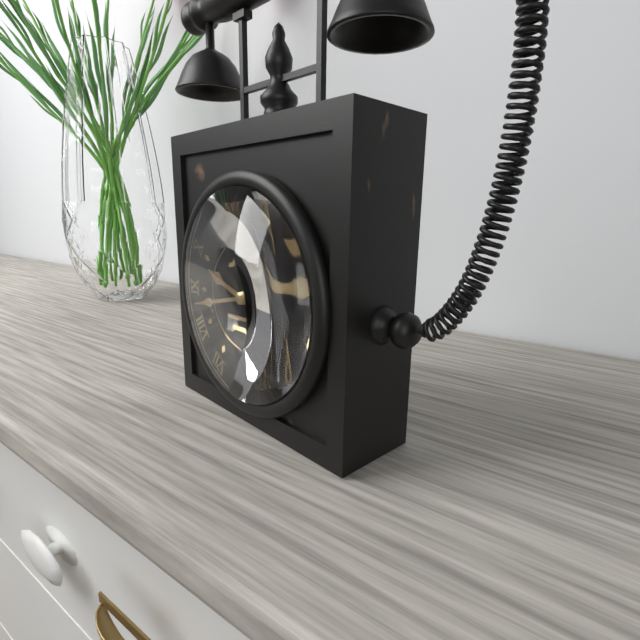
9:43
